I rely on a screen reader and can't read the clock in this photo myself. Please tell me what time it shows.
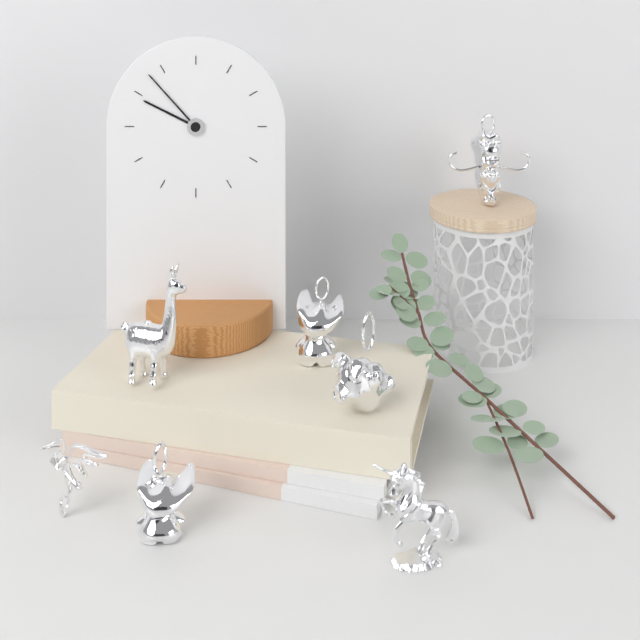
9:53
